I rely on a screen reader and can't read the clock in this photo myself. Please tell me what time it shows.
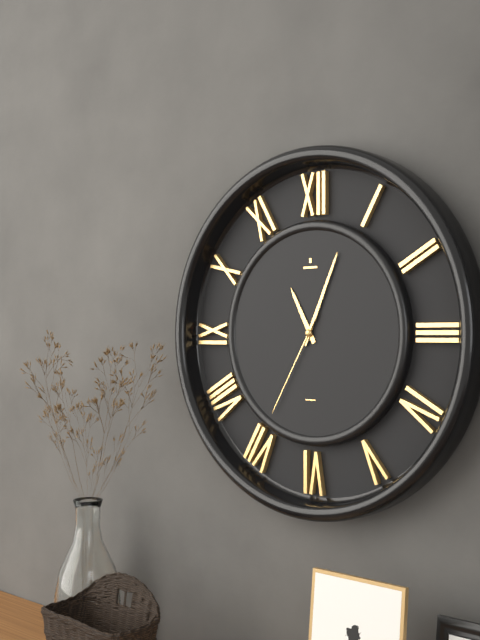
11:04:35
